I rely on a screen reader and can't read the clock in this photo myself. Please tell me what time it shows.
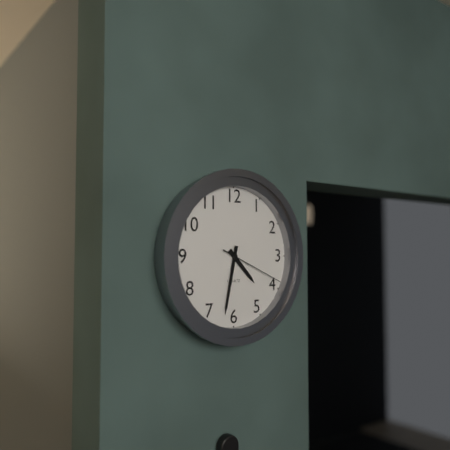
4:32:19
